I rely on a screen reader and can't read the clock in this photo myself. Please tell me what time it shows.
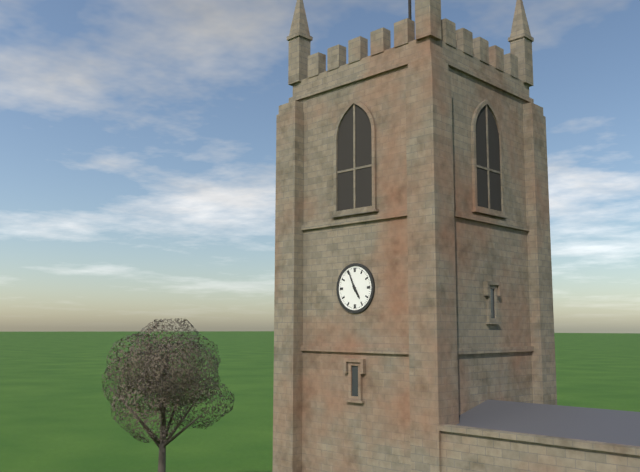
4:56
